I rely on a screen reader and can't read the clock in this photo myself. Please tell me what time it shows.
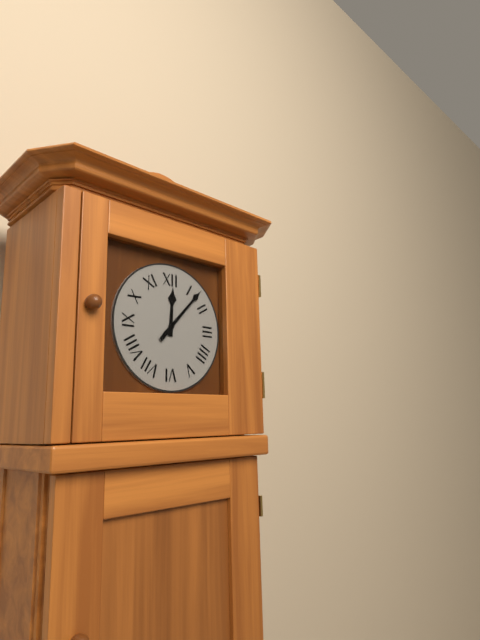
12:07:07
